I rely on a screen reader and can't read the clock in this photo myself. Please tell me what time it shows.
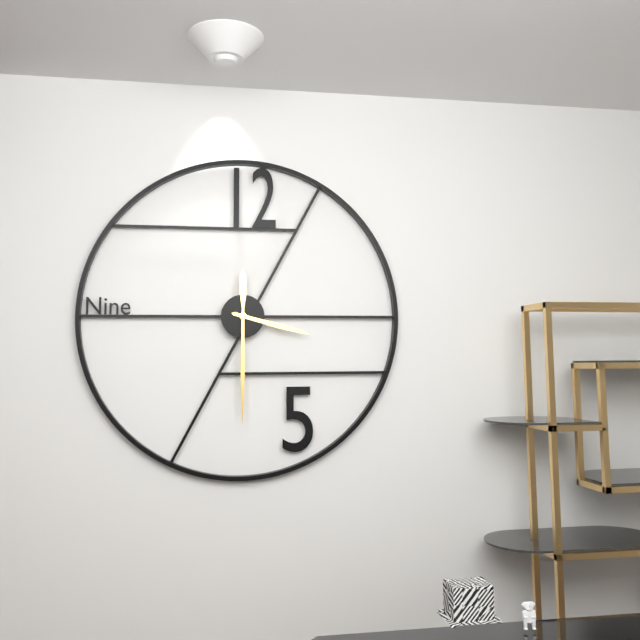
3:30
